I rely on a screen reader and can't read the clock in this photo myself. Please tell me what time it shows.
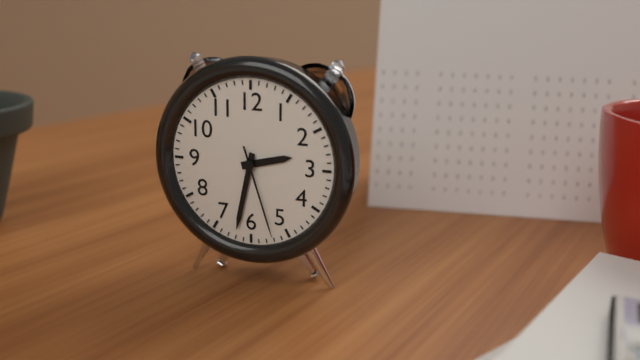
2:32:27
